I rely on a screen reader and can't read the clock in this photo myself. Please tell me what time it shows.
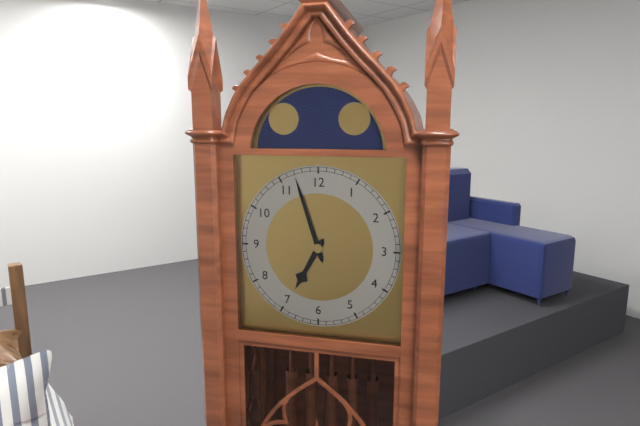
6:57
